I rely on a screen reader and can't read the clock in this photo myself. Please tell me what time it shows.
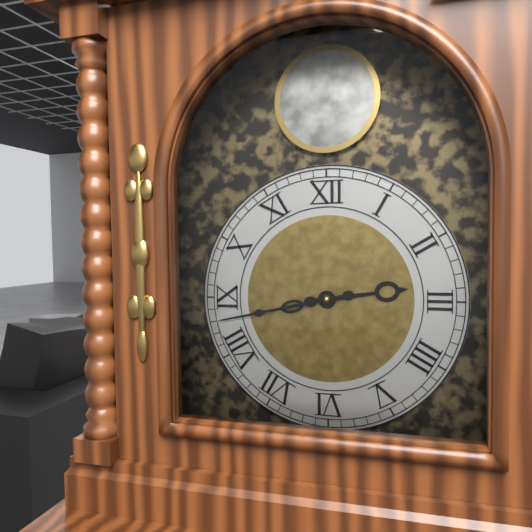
2:43
